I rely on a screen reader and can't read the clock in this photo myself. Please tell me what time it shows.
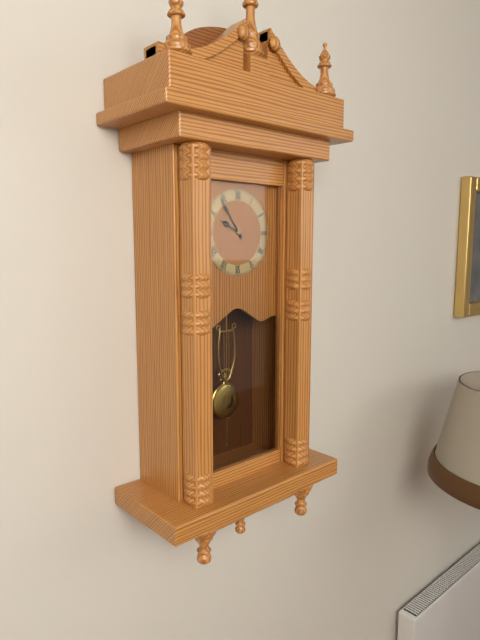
9:54
